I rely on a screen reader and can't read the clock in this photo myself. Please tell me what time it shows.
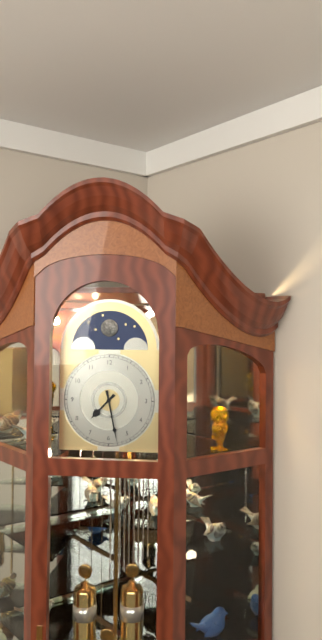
7:28
